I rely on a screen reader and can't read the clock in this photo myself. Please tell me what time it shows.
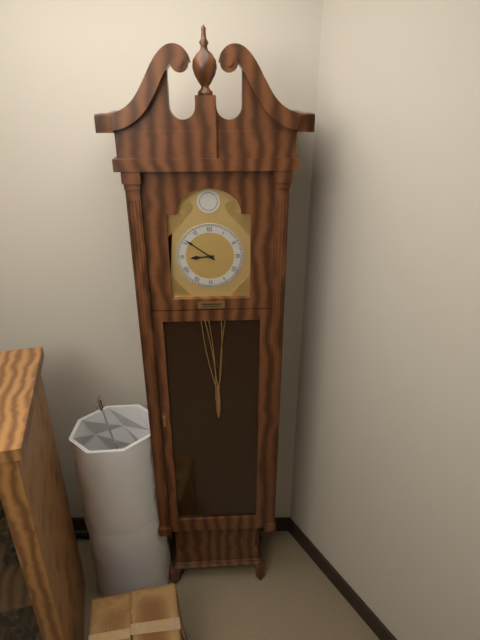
8:51
